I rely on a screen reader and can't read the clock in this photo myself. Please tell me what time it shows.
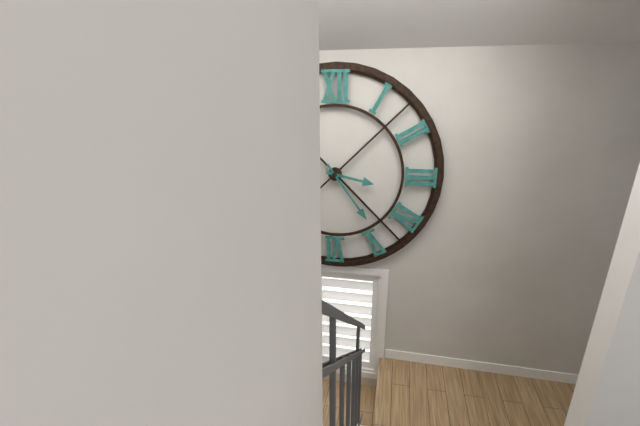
3:24
